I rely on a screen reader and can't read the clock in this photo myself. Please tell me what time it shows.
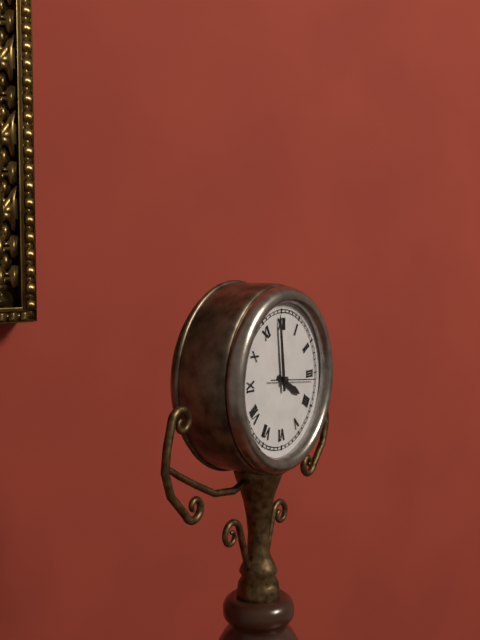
3:59:16
